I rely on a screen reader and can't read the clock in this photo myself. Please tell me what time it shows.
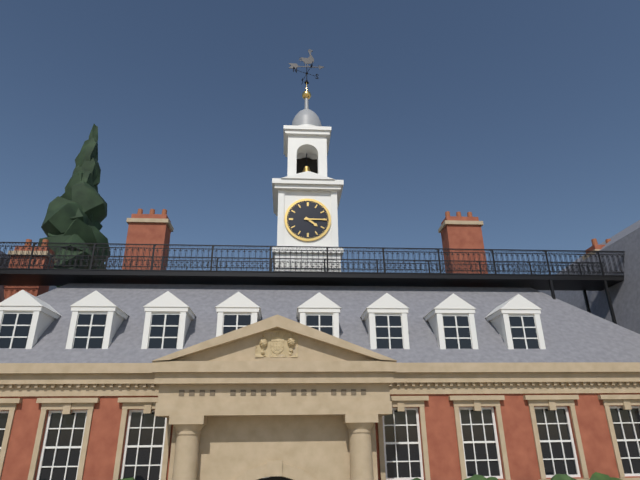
4:15
